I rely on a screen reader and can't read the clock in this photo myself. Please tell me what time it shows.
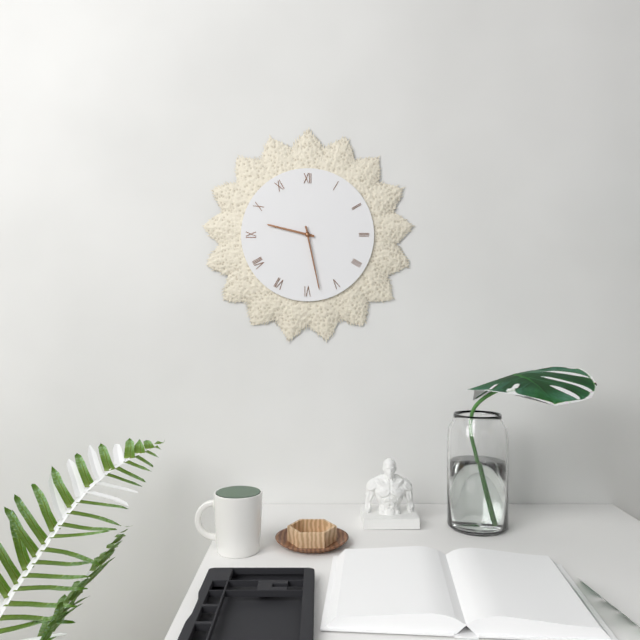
9:28
